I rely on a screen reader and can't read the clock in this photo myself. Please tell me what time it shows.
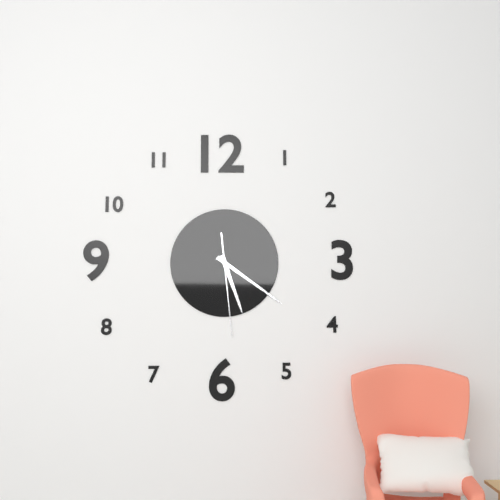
5:21:29
